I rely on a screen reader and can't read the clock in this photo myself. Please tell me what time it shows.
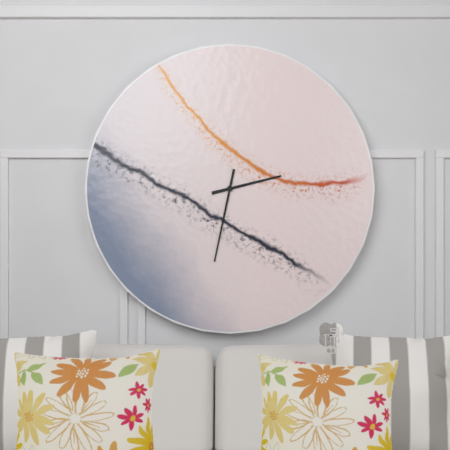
2:32
